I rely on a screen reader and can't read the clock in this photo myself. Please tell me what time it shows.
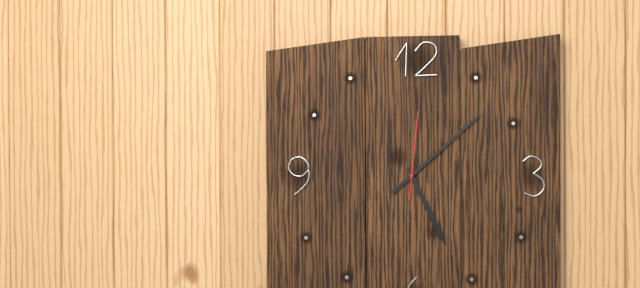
5:08:01
